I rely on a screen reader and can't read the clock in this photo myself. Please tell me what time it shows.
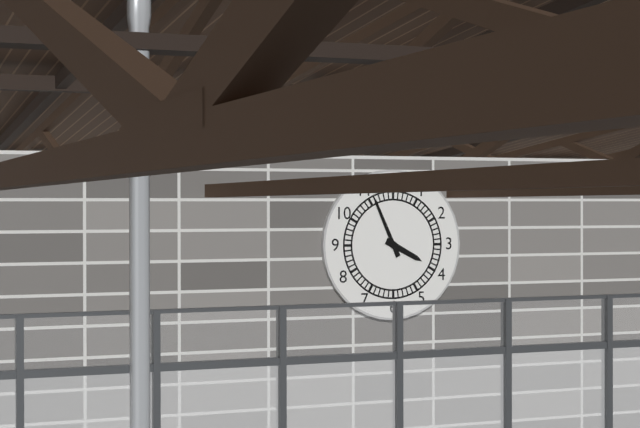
3:56
